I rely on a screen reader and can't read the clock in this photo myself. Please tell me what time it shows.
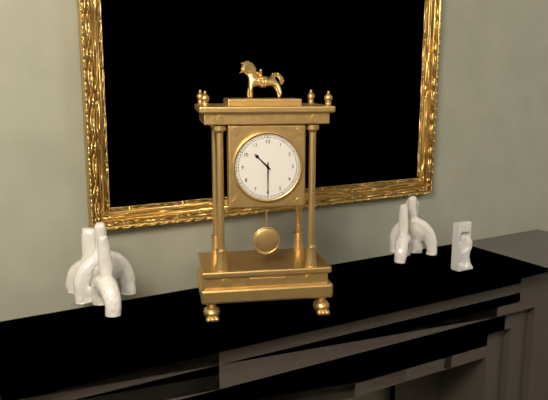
10:30
